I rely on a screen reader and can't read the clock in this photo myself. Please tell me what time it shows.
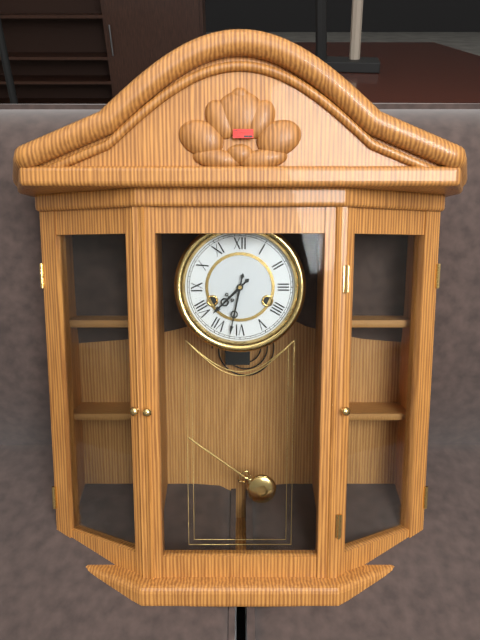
7:32
